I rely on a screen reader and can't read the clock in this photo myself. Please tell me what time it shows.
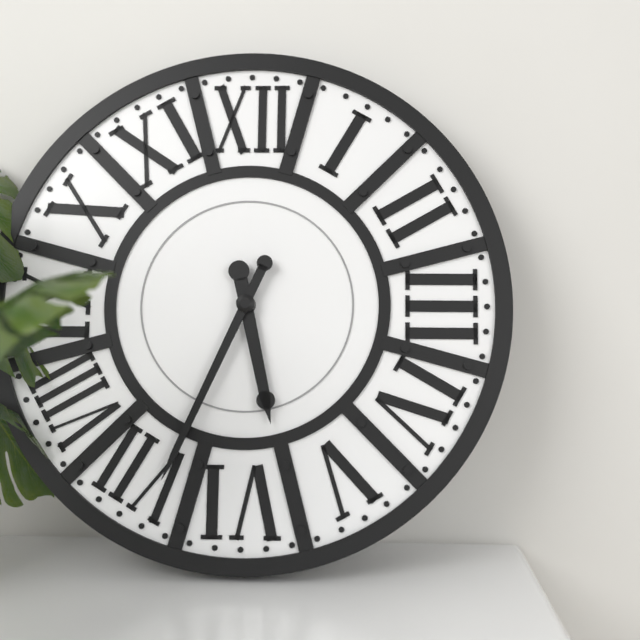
5:34
